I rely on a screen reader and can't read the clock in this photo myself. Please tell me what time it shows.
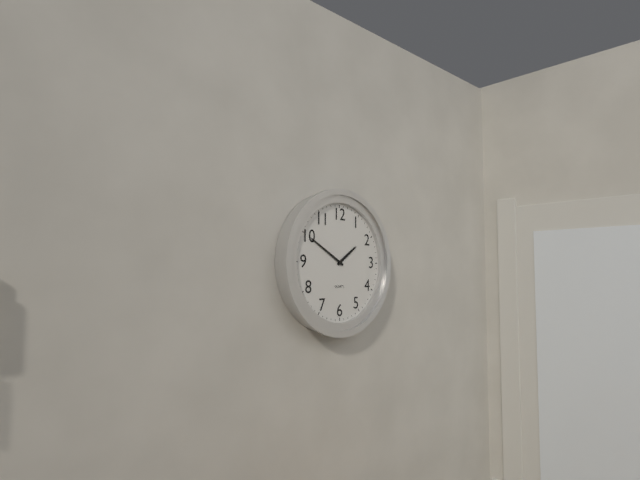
1:50
